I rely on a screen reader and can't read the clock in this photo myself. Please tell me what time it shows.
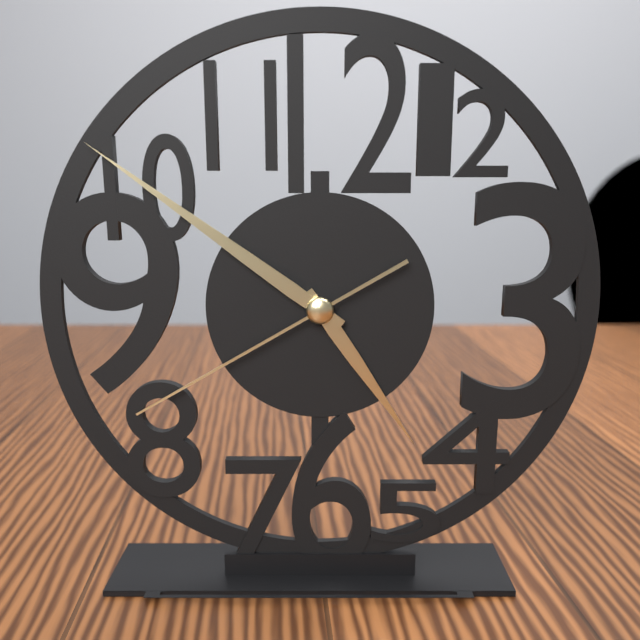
4:51:40
